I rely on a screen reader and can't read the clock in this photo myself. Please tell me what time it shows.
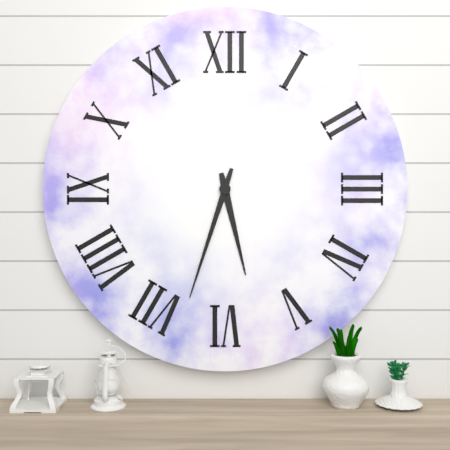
5:33
